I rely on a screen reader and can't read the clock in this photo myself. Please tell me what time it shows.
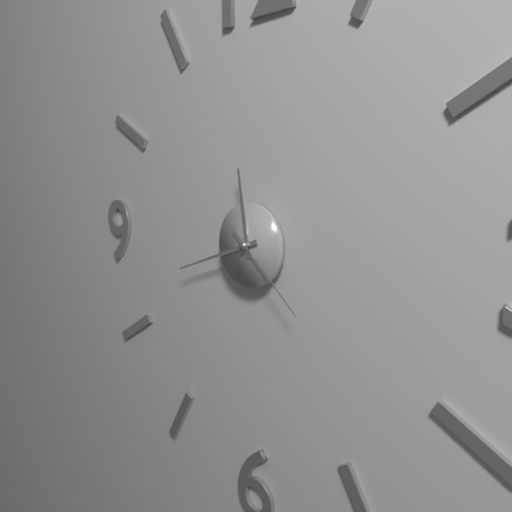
11:42:22
